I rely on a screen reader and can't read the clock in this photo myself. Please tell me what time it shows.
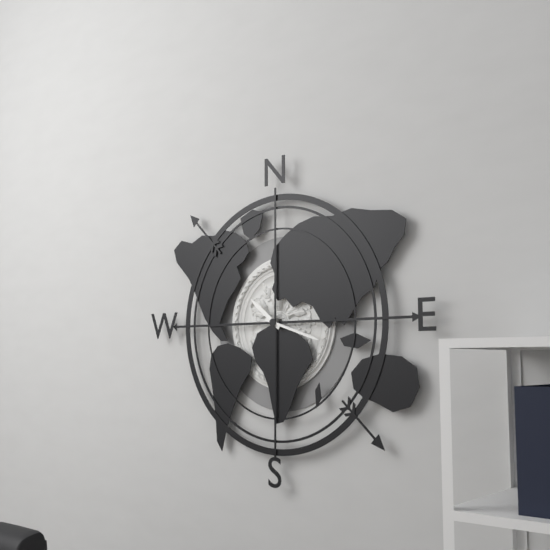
10:18
